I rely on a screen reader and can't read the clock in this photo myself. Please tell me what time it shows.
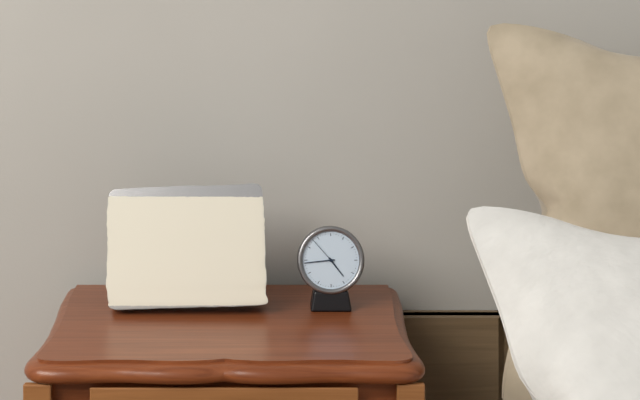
4:44
